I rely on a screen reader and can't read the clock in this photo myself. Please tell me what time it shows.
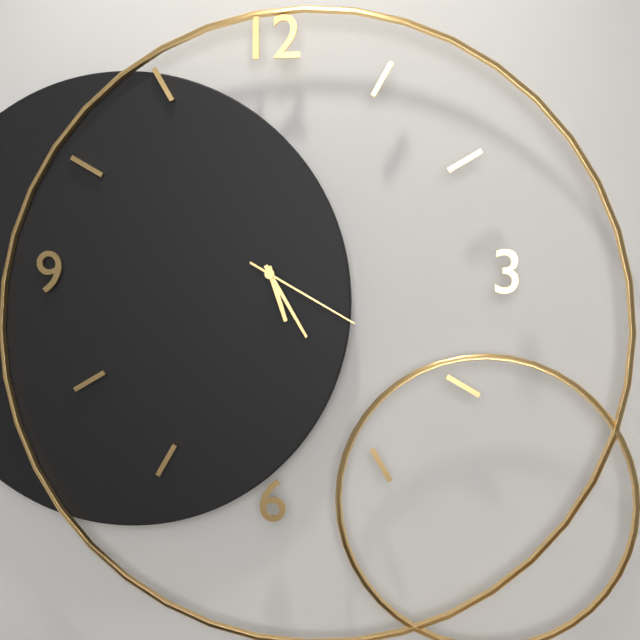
5:25:20
